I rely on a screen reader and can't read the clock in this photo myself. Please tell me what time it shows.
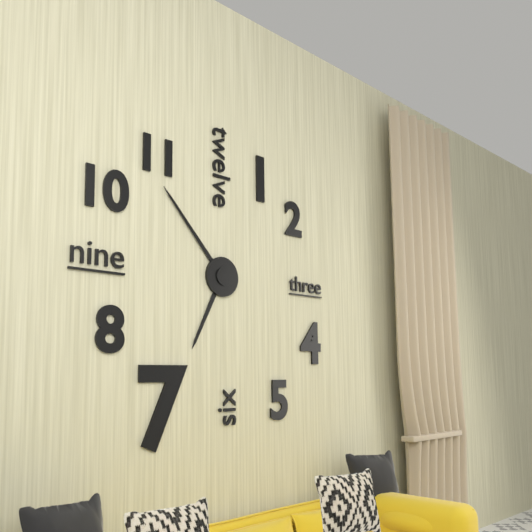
6:53
